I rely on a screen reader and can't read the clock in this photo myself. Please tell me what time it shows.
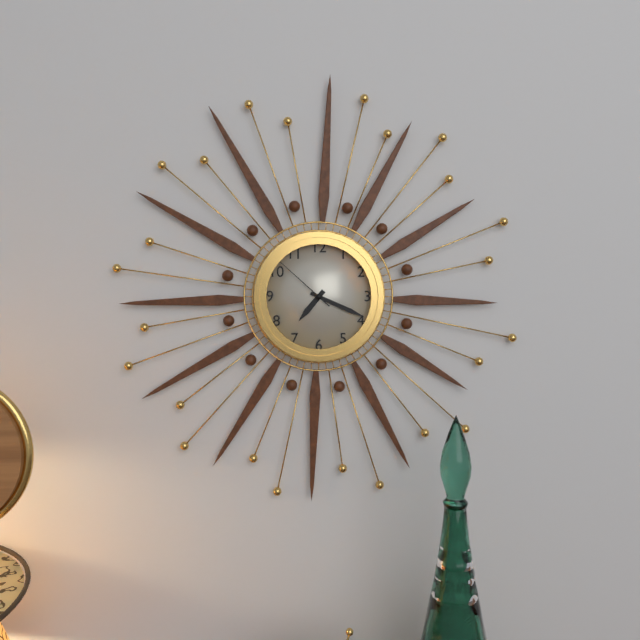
7:19:52
